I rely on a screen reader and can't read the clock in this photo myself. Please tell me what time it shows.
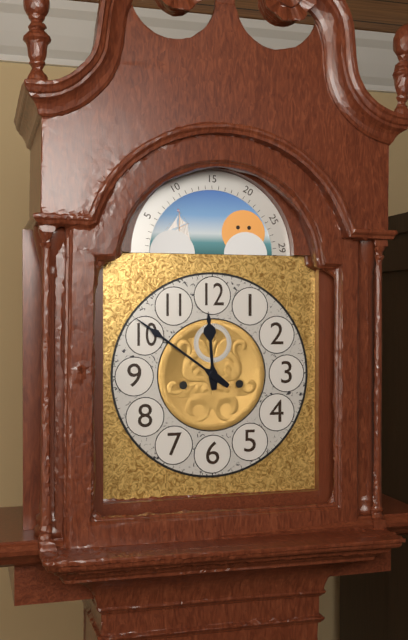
11:51
